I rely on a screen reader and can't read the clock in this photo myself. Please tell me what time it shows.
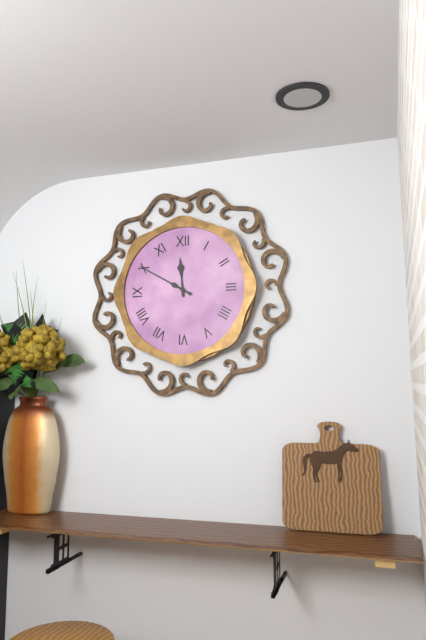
11:50
